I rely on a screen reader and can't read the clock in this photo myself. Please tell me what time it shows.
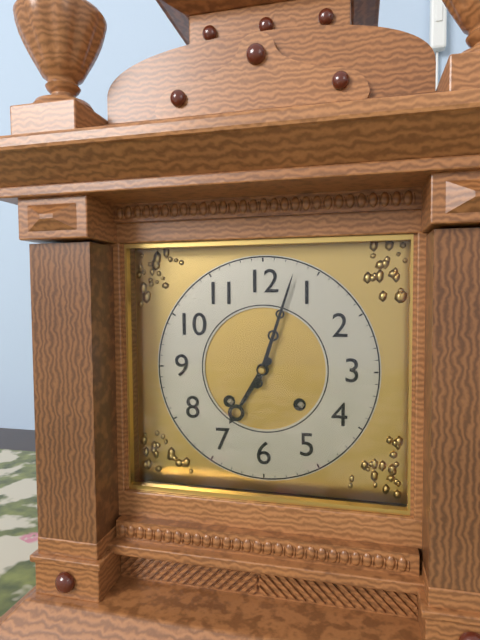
7:03
